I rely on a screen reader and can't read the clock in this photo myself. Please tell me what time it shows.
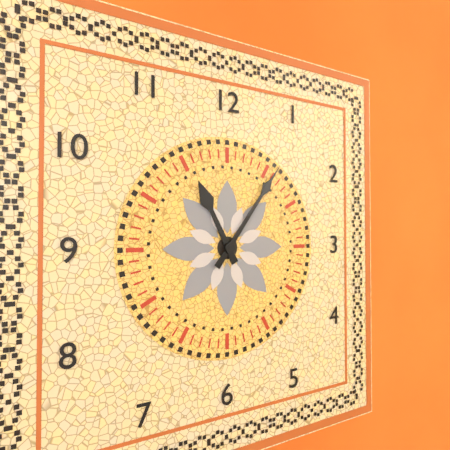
11:06
